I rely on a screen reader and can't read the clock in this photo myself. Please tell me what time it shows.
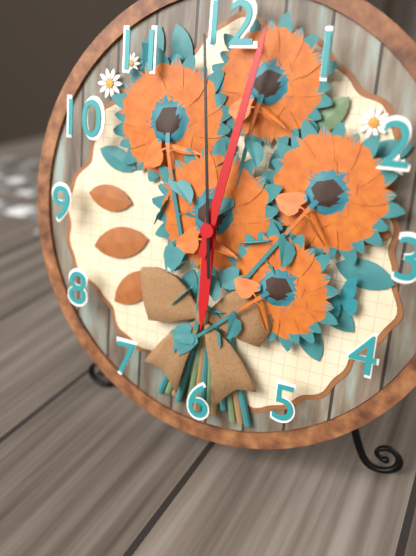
6:02:59
